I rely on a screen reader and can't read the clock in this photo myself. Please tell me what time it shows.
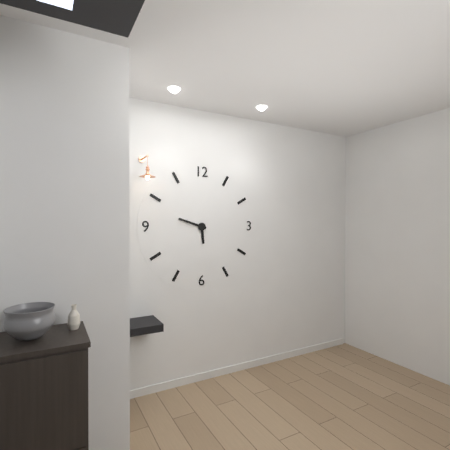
5:48
